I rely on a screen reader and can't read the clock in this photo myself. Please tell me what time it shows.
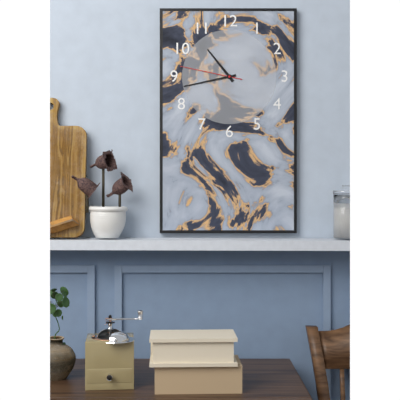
10:43:47
